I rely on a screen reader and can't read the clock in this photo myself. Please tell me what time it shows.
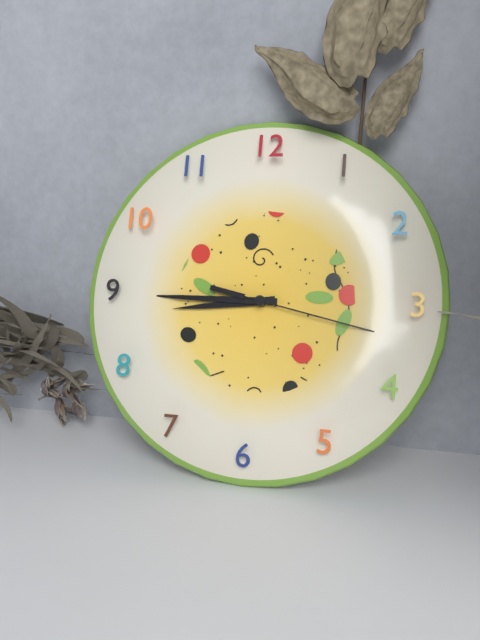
8:45:17
